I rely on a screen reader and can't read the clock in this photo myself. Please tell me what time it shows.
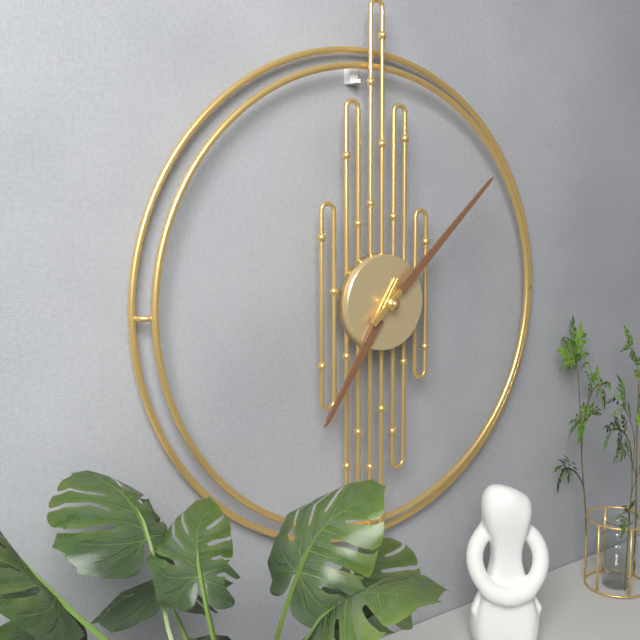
7:08
